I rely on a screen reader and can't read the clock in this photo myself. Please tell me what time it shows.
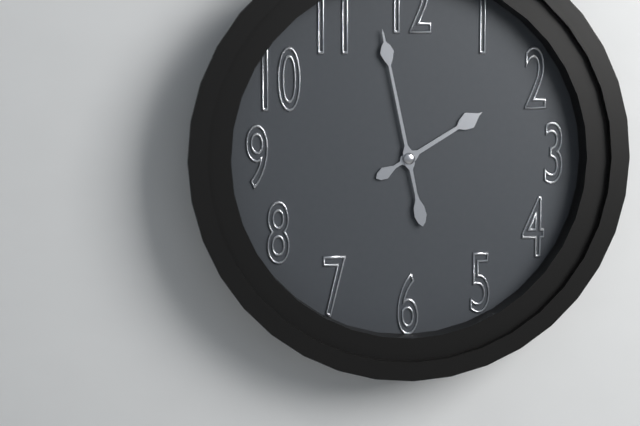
1:58
